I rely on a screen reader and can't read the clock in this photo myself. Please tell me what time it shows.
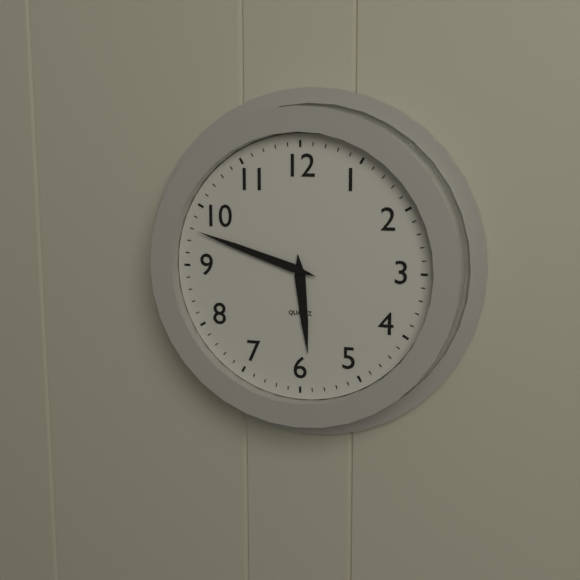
5:48
